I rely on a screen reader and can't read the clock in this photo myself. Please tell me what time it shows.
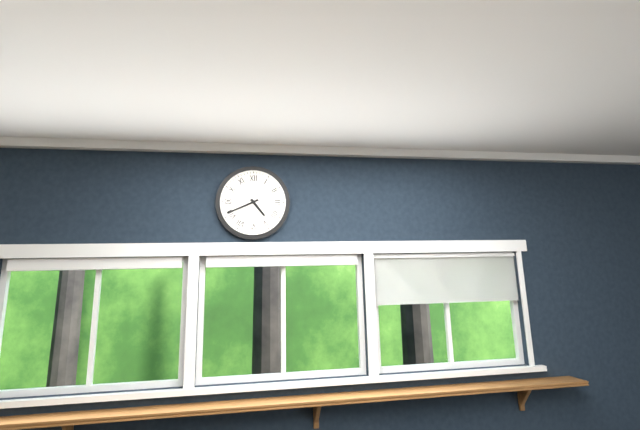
4:41
